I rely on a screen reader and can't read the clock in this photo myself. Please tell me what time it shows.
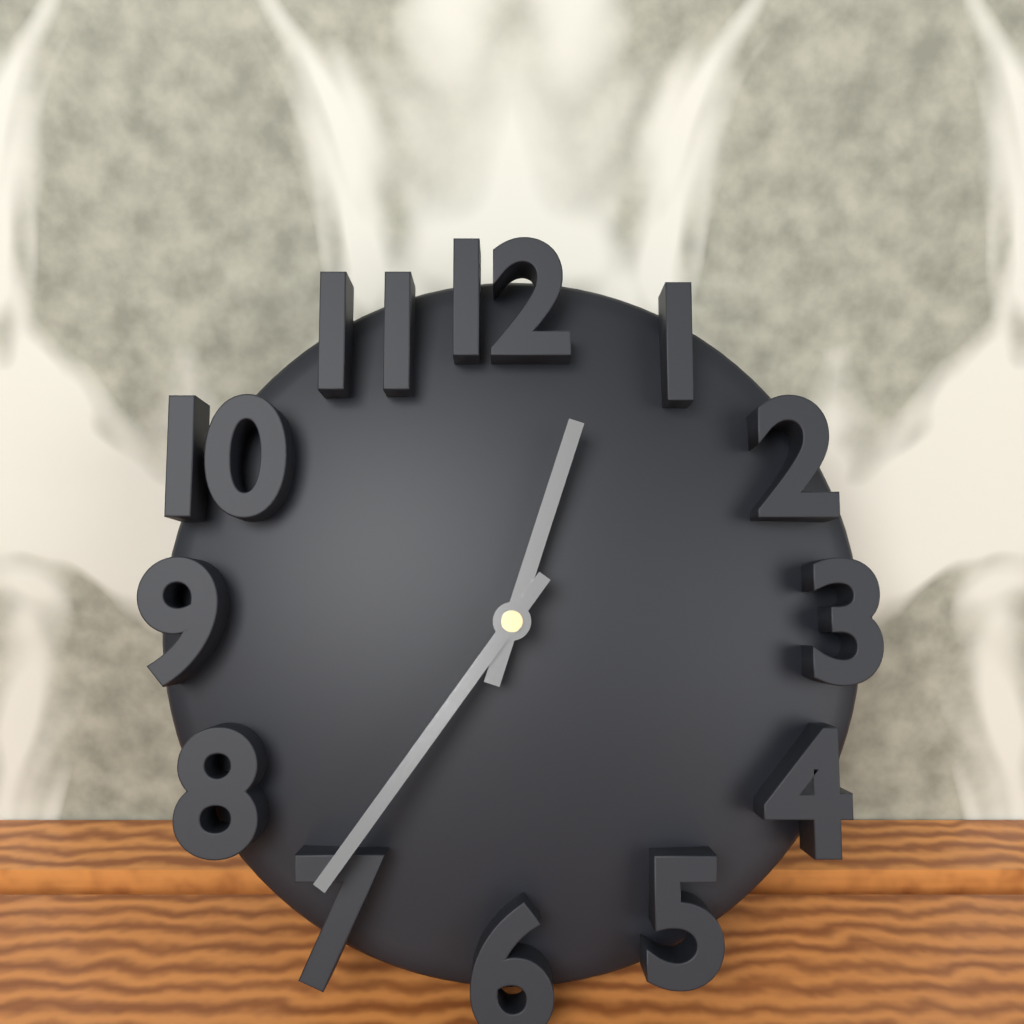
12:36
